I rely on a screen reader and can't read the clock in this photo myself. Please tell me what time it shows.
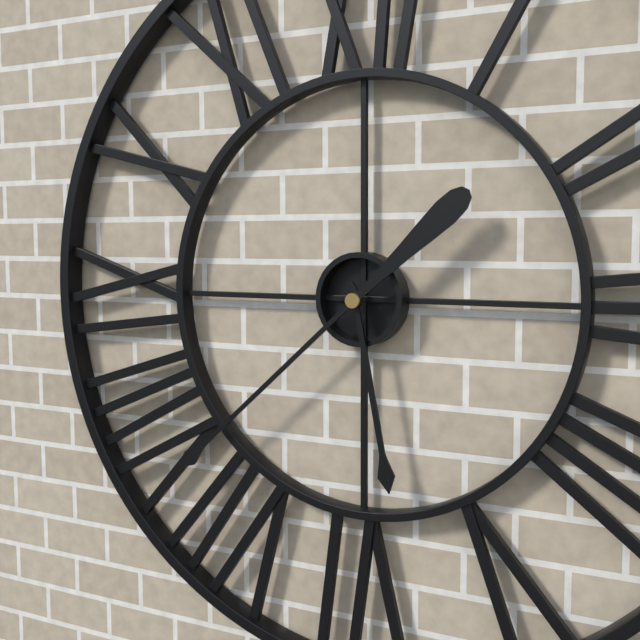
5:38
